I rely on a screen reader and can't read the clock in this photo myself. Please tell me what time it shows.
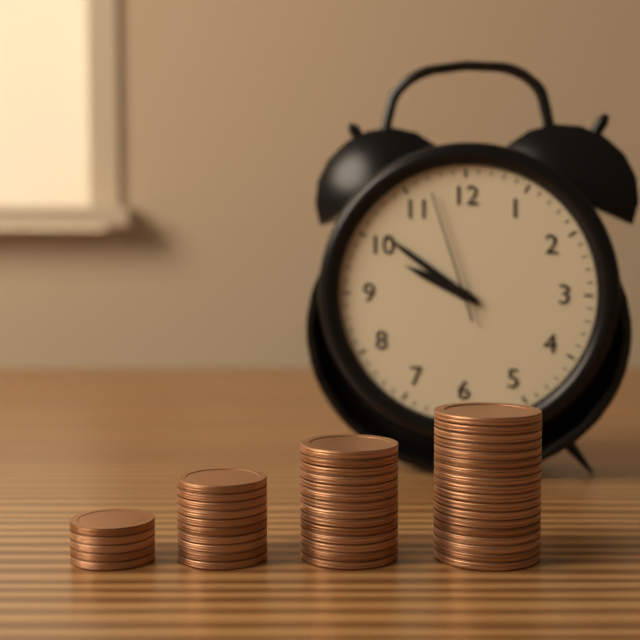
9:51:57
